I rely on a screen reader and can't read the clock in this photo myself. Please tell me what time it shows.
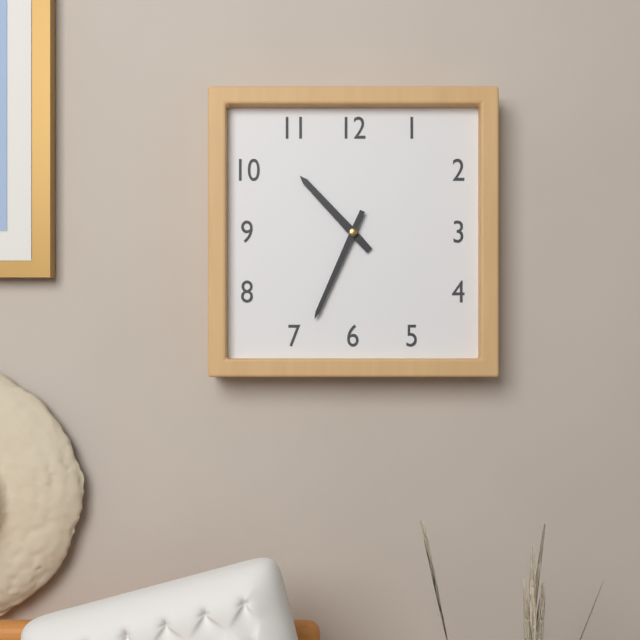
10:34
